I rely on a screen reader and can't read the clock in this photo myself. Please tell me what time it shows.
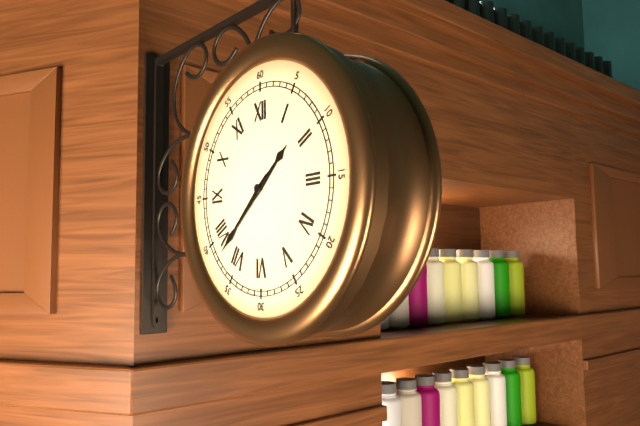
1:38
